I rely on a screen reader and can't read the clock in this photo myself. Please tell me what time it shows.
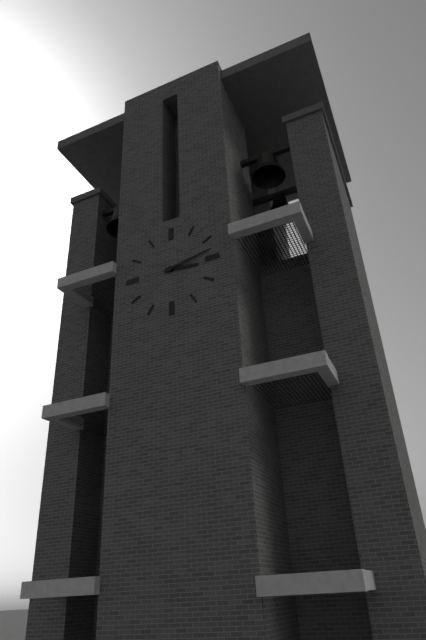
3:13
